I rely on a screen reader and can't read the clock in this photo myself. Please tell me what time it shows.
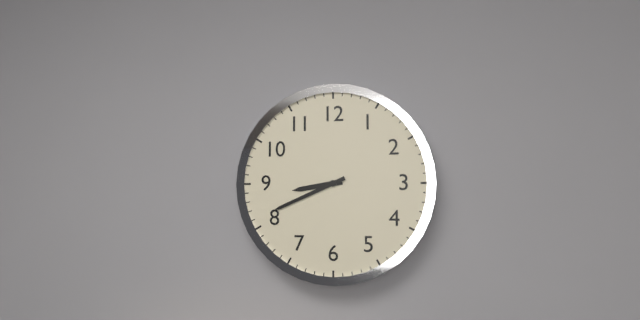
8:41
